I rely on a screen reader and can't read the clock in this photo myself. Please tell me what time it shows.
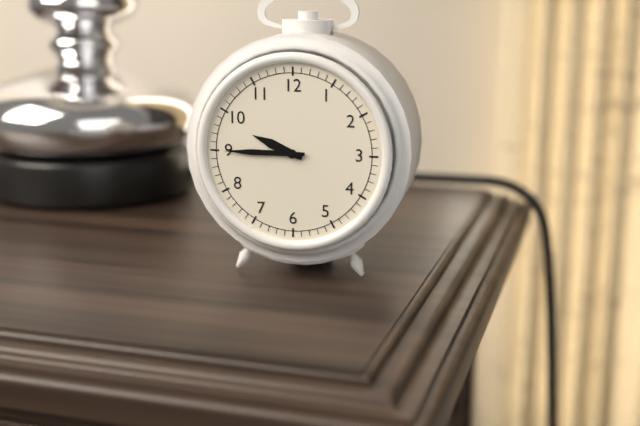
9:45
